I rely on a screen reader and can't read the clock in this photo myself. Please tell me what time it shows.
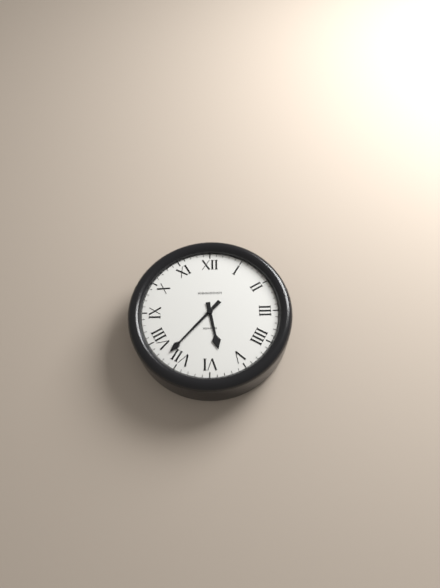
5:37
